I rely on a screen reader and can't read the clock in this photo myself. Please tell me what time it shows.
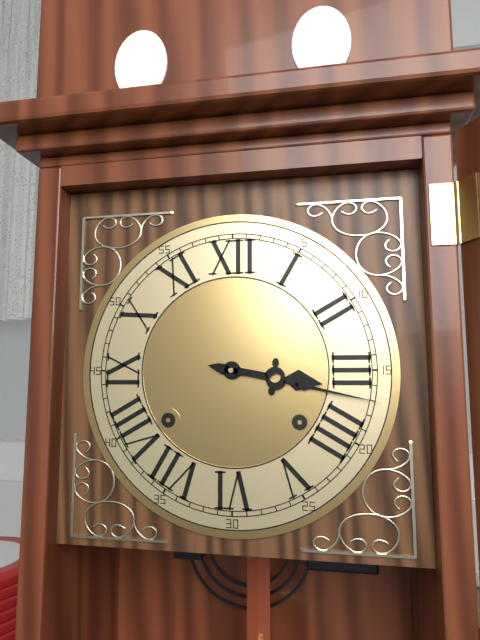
3:17
